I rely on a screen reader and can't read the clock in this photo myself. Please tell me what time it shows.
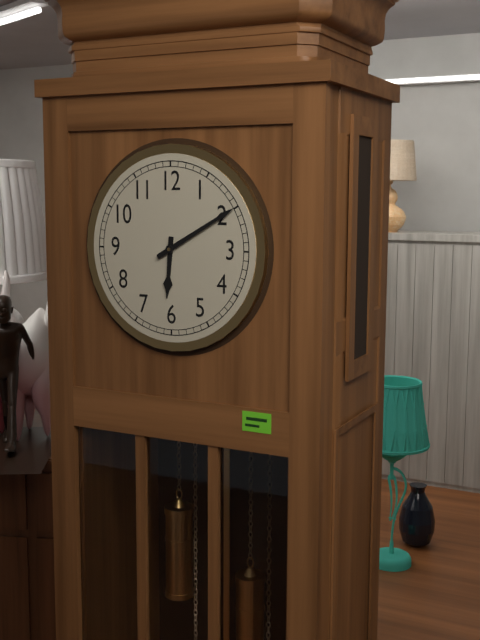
6:10
